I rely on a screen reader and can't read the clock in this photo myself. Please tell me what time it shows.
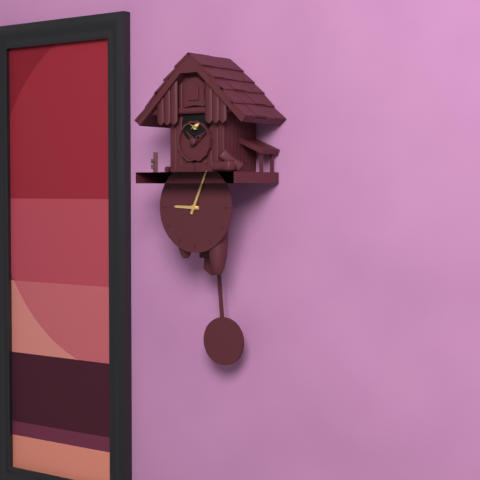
9:04
